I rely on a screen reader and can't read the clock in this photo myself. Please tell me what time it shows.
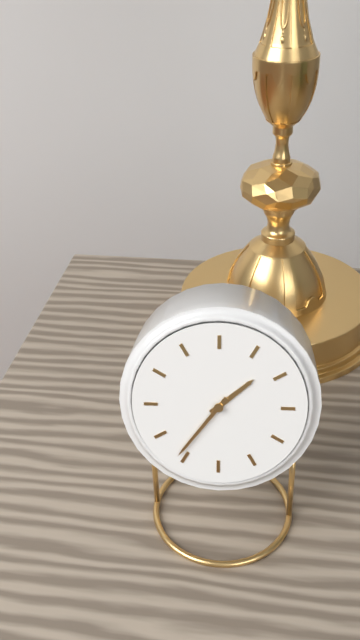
1:36
